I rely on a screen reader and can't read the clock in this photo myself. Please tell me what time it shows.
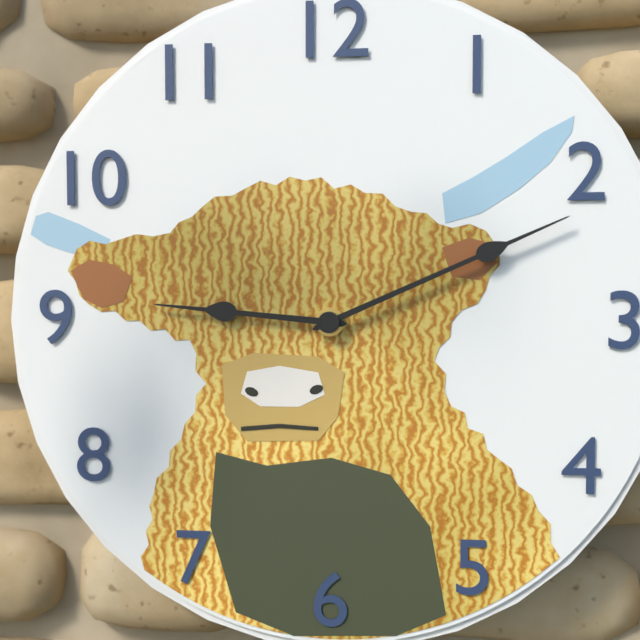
9:11
